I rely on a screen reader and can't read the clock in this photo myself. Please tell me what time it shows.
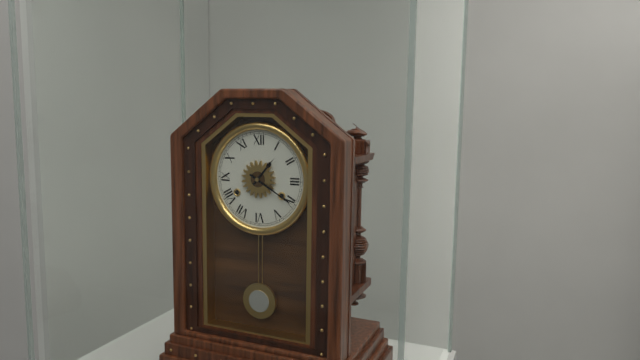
1:20
